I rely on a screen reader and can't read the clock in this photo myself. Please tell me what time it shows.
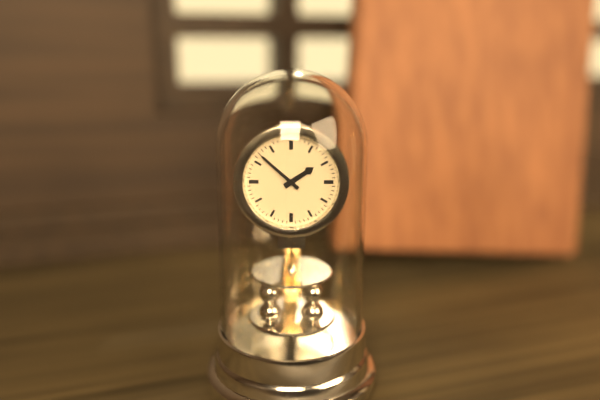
1:52
